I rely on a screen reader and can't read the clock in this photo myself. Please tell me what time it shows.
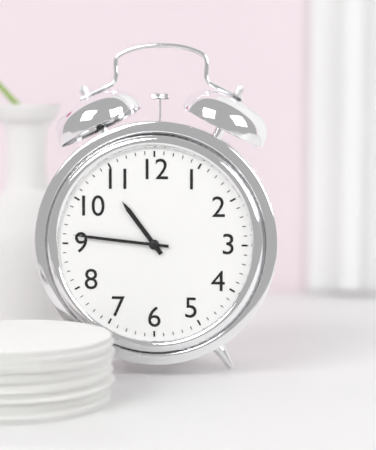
10:46
